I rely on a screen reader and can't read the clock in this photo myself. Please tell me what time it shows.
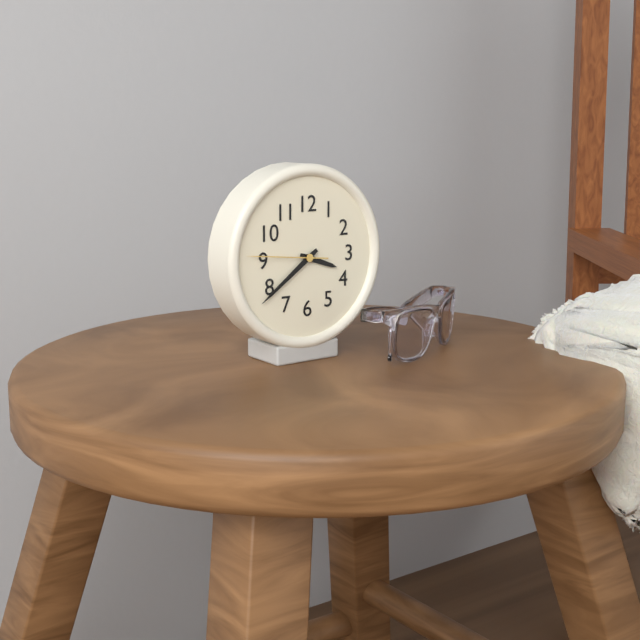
3:39:46
